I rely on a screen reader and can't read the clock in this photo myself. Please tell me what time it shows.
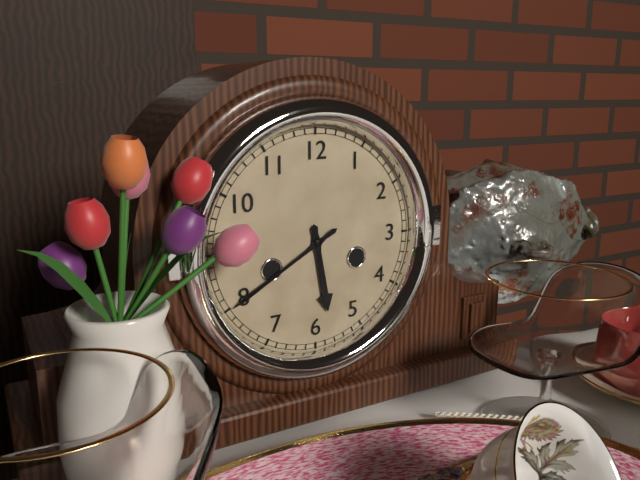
5:40
